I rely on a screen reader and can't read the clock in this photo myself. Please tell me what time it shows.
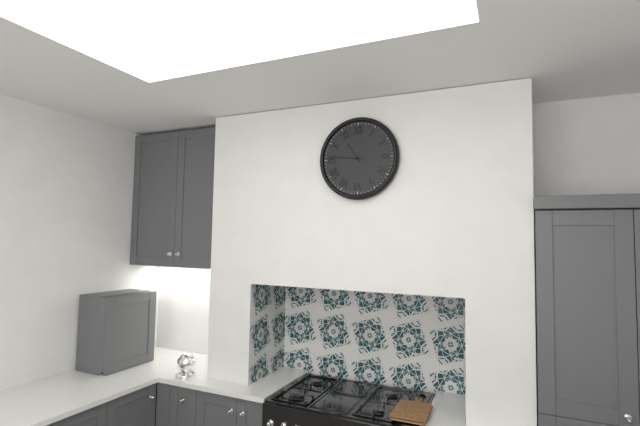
10:46
